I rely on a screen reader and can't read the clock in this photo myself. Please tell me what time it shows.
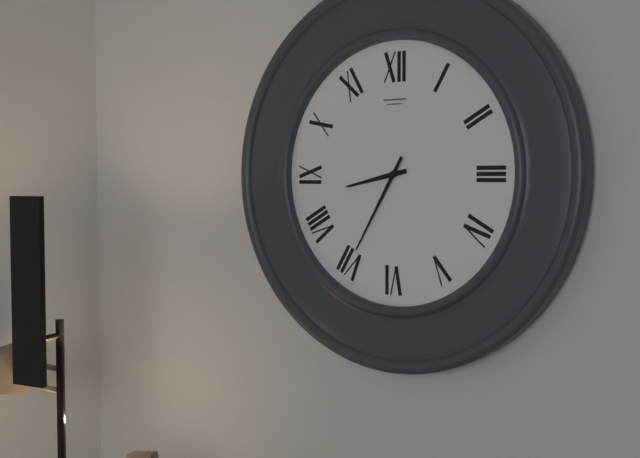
8:35
